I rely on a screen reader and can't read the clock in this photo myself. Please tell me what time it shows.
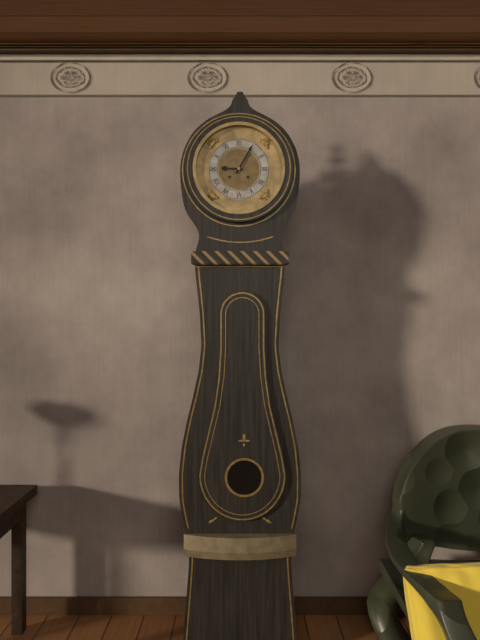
9:05
